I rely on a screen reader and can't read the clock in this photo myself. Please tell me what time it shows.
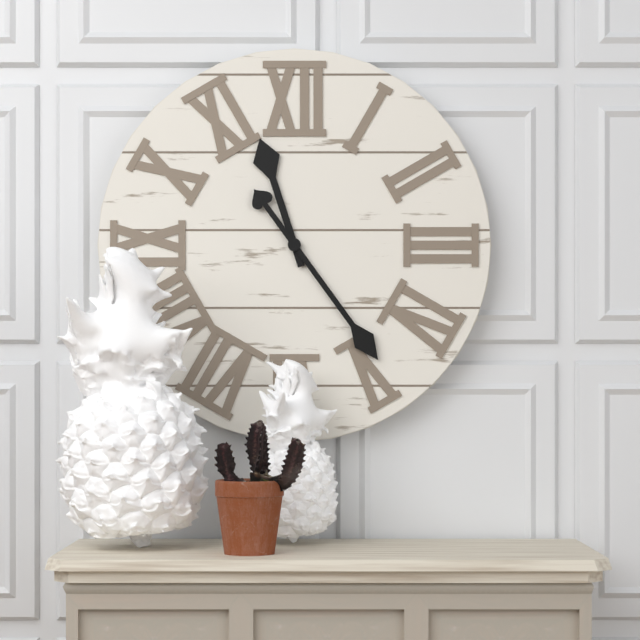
11:24
